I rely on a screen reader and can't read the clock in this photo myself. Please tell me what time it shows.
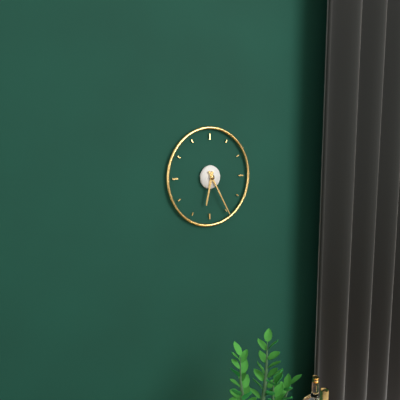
6:25
